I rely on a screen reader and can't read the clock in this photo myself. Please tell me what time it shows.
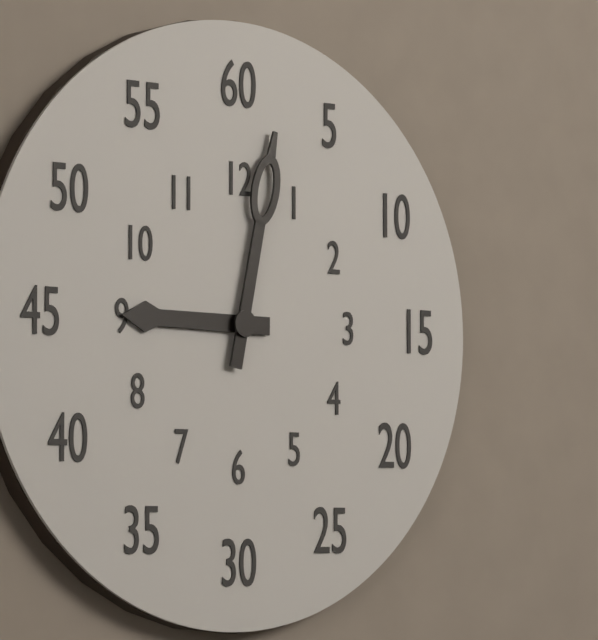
9:02
